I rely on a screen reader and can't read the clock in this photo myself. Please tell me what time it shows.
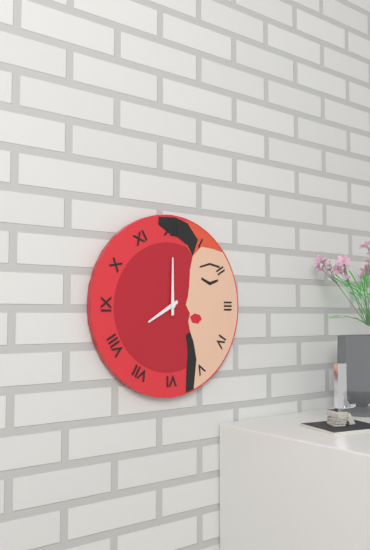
8:00
